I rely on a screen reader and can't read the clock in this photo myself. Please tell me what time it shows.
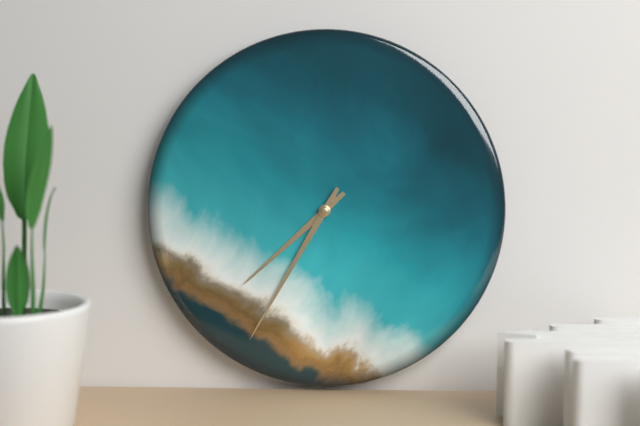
7:35
